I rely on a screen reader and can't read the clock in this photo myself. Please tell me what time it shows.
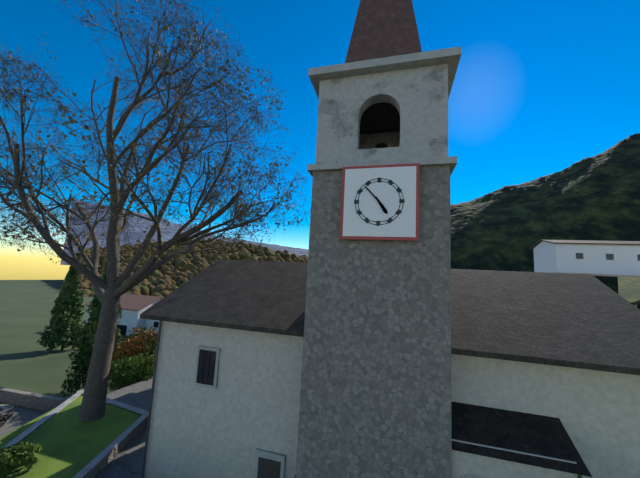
4:53
